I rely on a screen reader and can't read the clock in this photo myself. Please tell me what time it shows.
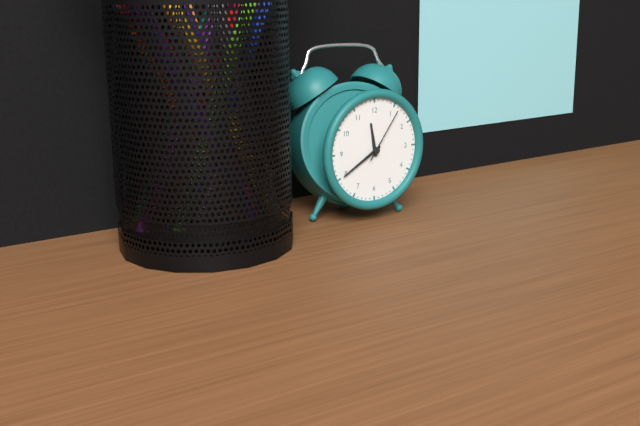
11:40:06
